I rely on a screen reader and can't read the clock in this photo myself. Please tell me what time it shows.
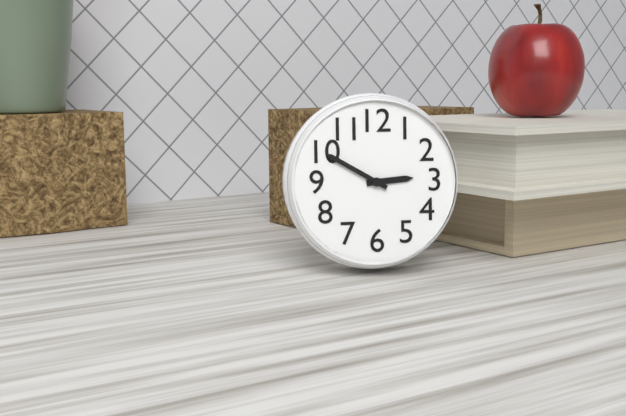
2:50
